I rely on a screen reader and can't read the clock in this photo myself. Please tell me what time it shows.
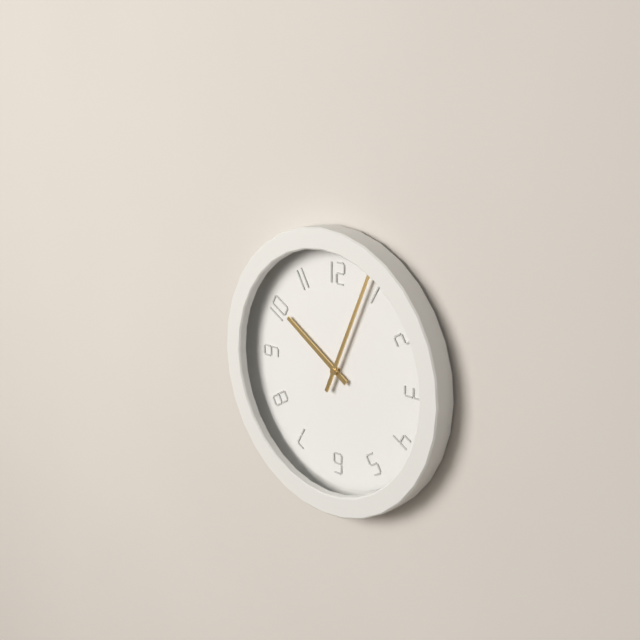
10:04
